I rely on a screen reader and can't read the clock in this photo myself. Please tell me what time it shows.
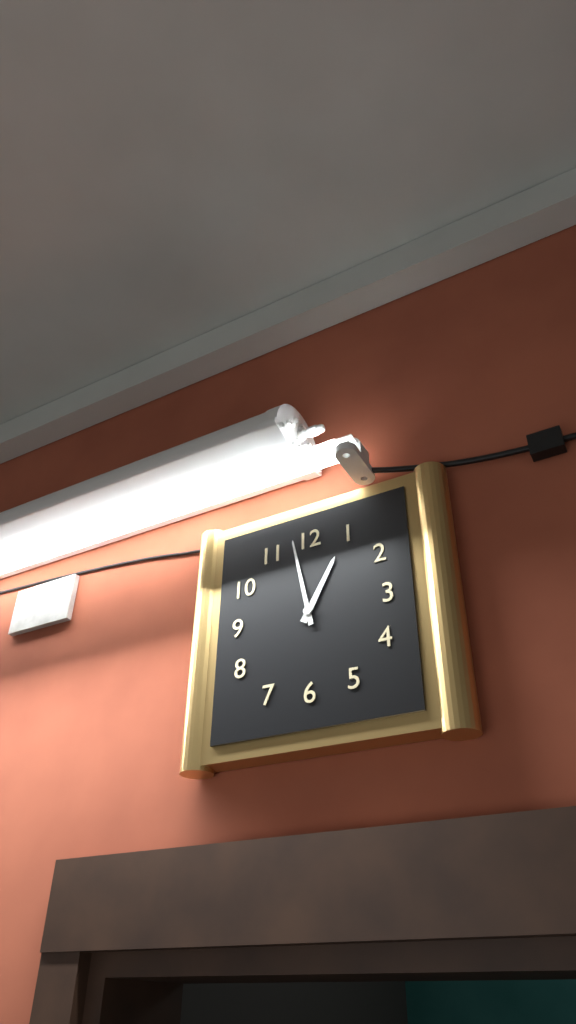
12:58
